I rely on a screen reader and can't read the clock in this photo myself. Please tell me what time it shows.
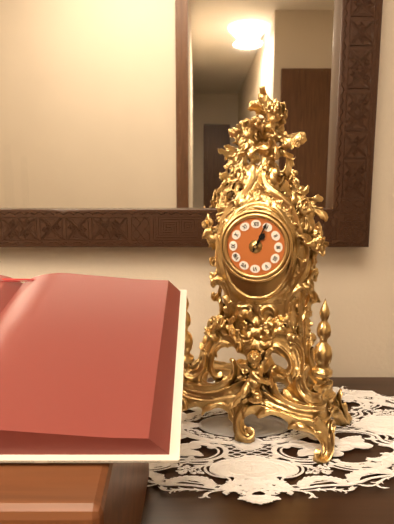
1:04
